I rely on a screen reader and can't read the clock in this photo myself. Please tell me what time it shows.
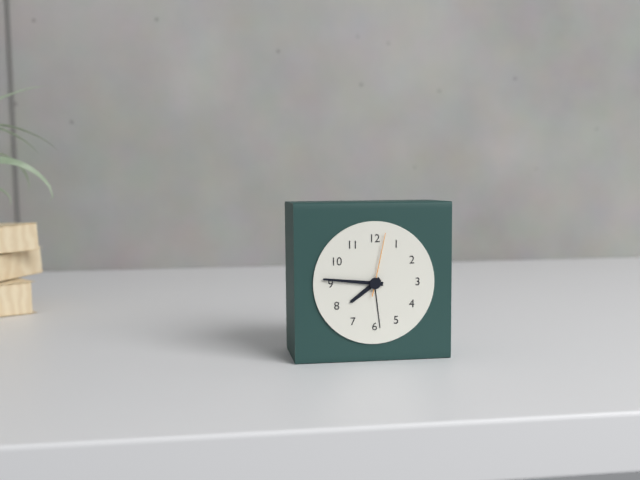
7:46:02
